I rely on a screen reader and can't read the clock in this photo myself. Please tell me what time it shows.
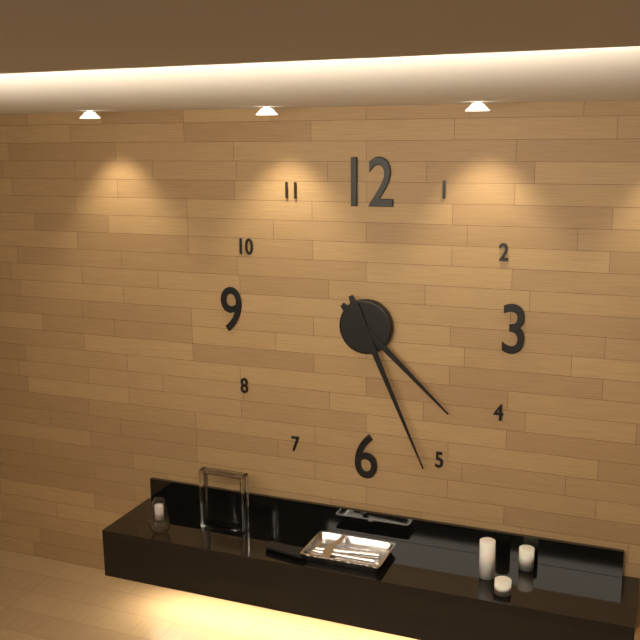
4:26
